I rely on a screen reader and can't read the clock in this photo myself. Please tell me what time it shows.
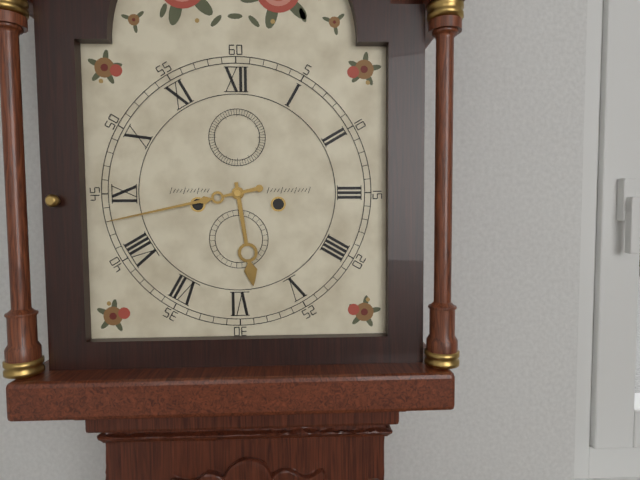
5:43
